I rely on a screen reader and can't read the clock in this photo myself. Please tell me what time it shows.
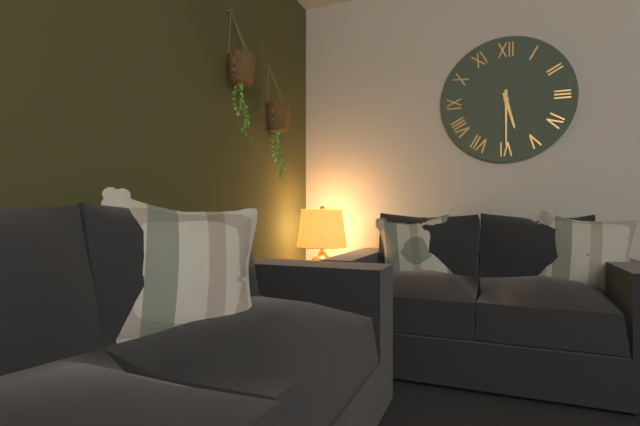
5:30
